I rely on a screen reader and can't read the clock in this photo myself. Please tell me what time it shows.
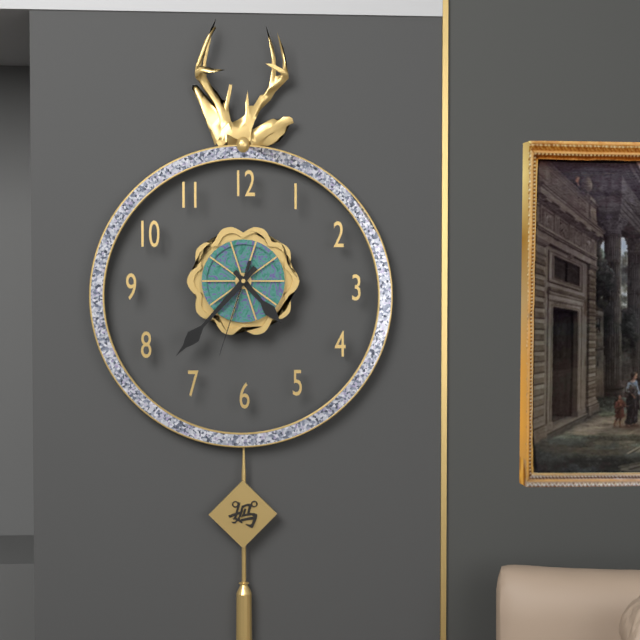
4:37:33
